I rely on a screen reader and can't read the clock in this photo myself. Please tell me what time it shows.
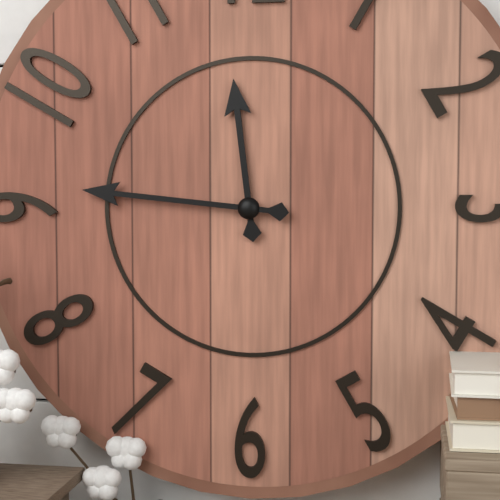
11:46
